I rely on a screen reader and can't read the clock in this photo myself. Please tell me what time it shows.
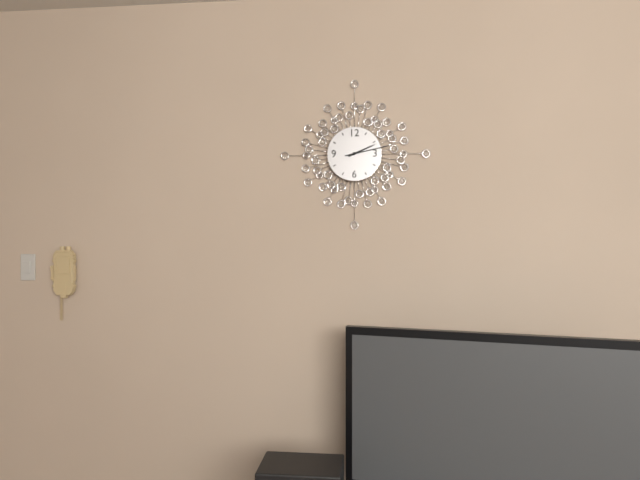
2:13
